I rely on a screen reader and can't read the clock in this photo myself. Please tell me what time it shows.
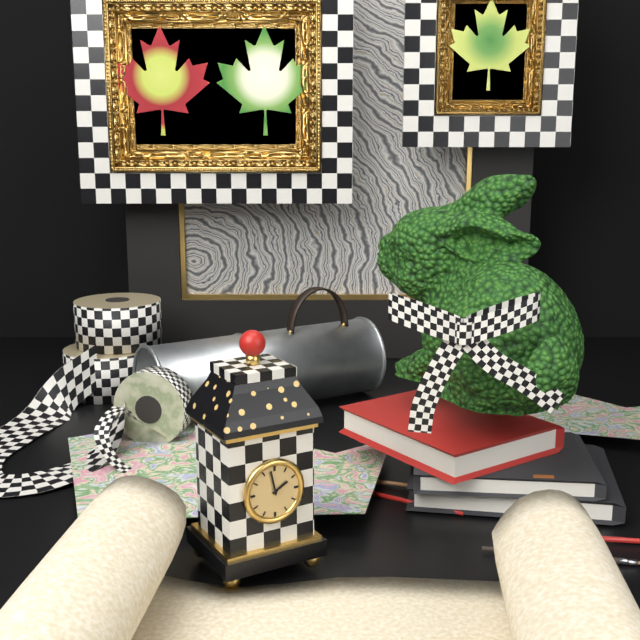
1:58
